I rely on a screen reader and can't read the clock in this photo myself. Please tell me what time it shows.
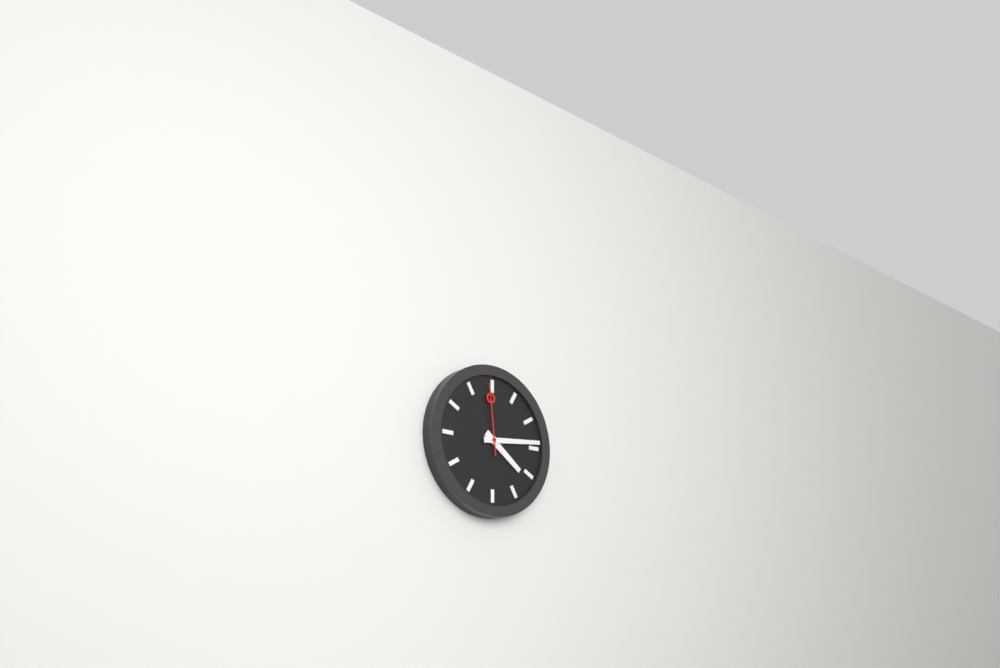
4:14:59
